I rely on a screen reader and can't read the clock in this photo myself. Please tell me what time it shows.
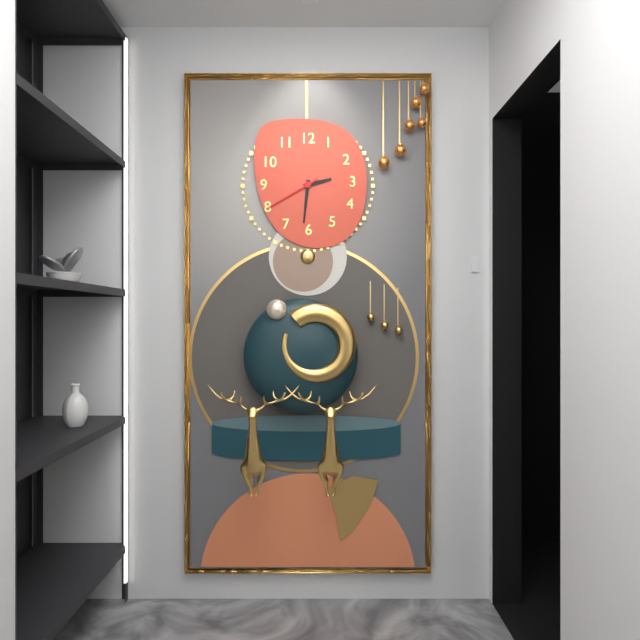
2:31:40
